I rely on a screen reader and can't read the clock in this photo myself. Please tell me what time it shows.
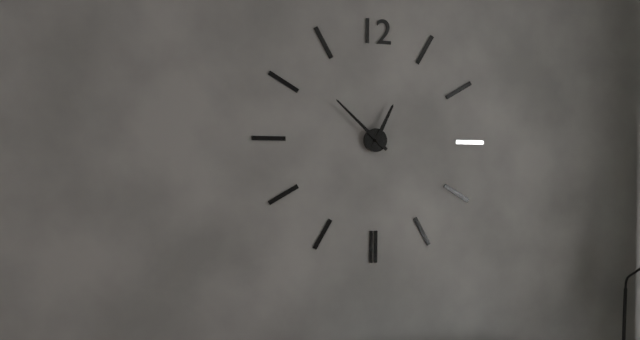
12:52
